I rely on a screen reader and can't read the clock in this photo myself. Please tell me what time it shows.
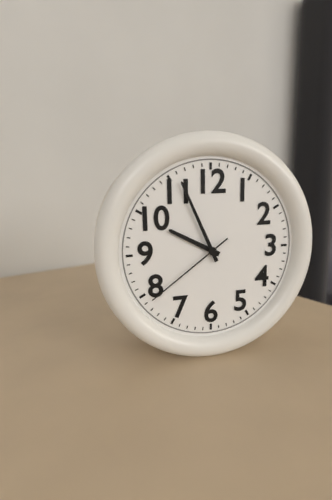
9:56:39
